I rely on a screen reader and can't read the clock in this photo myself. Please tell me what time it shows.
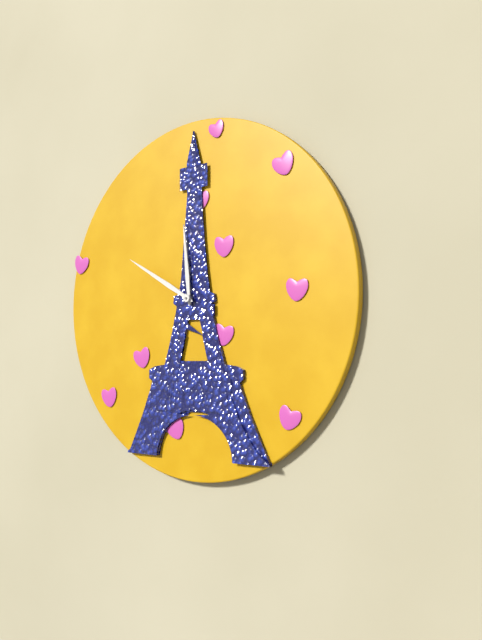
11:50
